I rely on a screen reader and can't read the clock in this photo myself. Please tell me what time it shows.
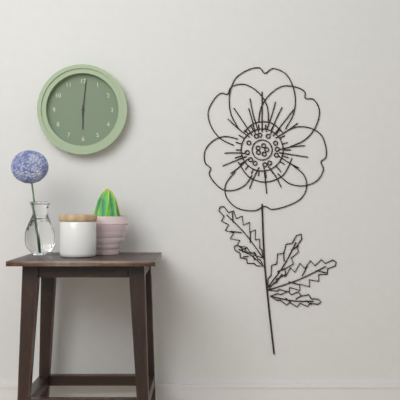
6:01
